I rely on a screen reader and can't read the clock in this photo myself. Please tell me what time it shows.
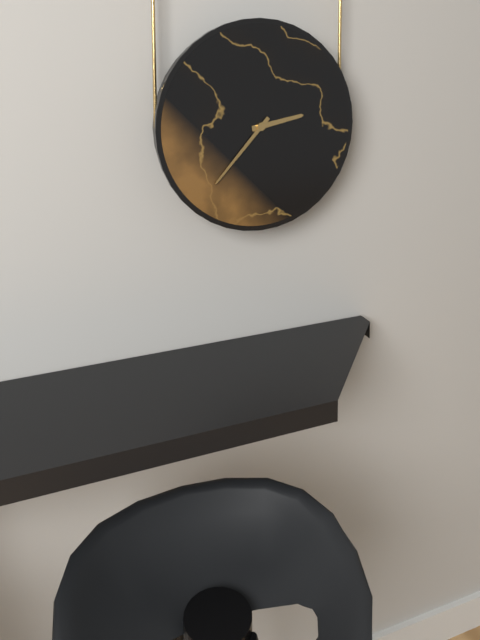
2:37
